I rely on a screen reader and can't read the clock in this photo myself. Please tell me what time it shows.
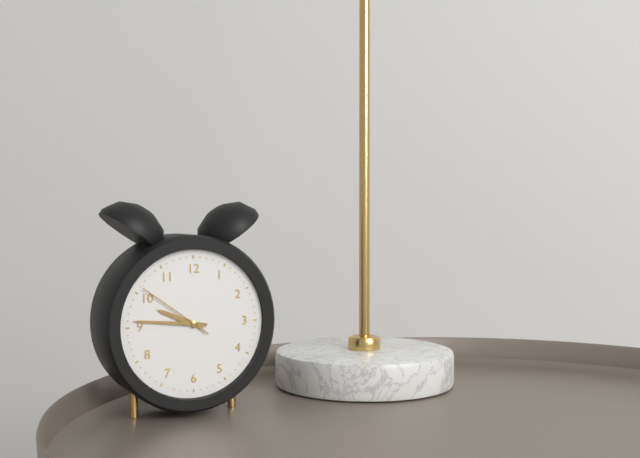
9:46:51
